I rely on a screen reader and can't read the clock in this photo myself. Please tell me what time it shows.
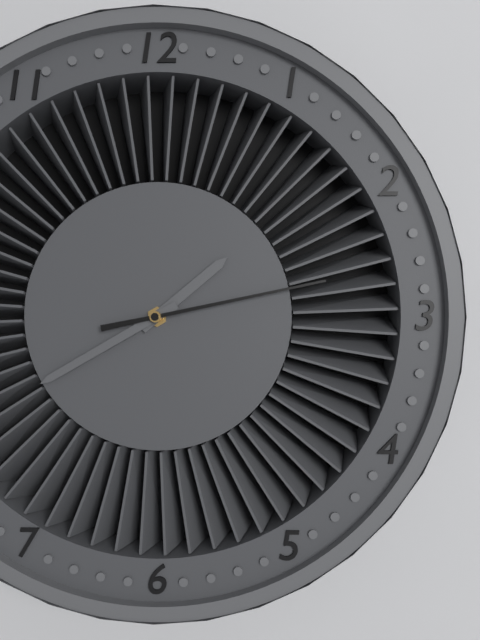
1:40:13
